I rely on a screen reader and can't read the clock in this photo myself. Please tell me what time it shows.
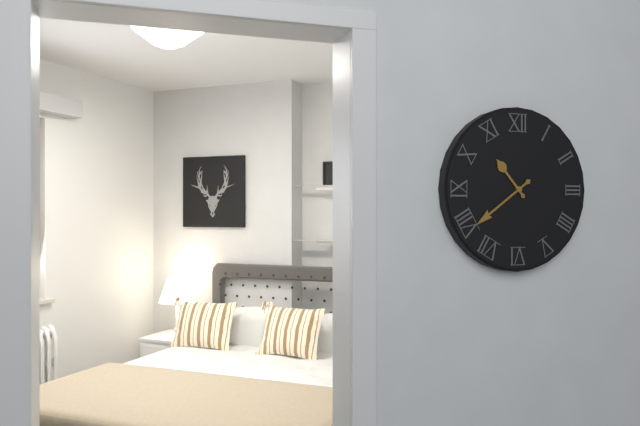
10:39
